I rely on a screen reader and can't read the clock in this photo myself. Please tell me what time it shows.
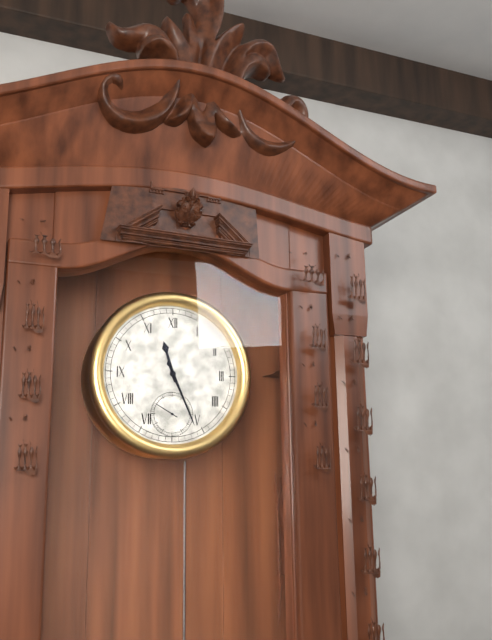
11:26
